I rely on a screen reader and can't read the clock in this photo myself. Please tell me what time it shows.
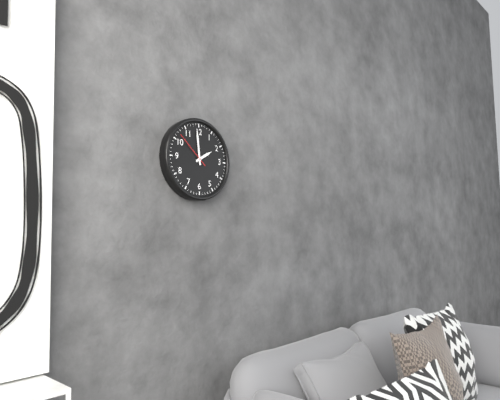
1:59
